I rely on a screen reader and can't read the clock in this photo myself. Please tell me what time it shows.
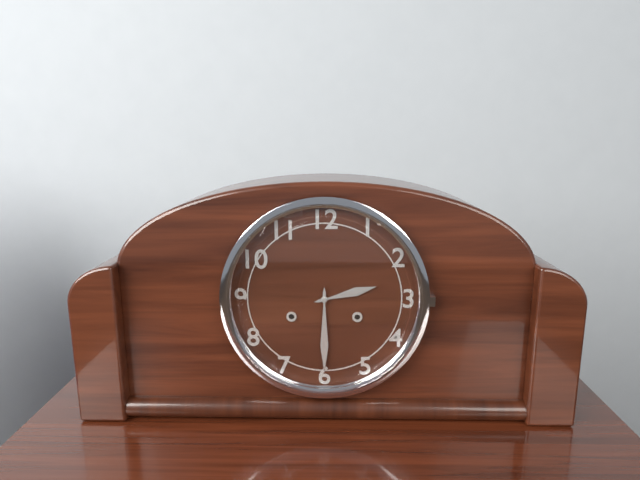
2:30
